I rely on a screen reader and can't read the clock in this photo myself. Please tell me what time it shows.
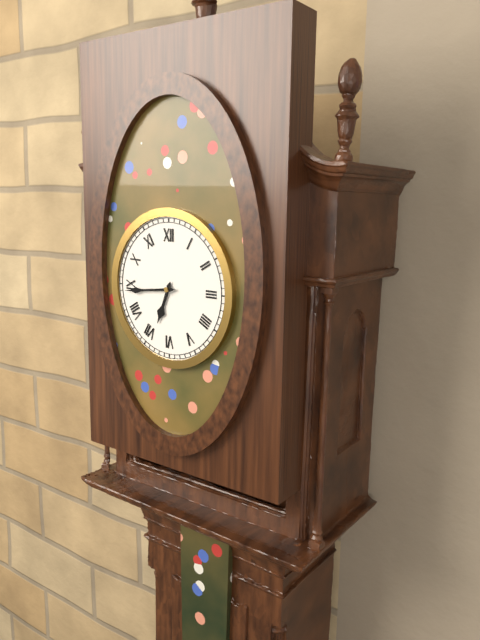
6:44
